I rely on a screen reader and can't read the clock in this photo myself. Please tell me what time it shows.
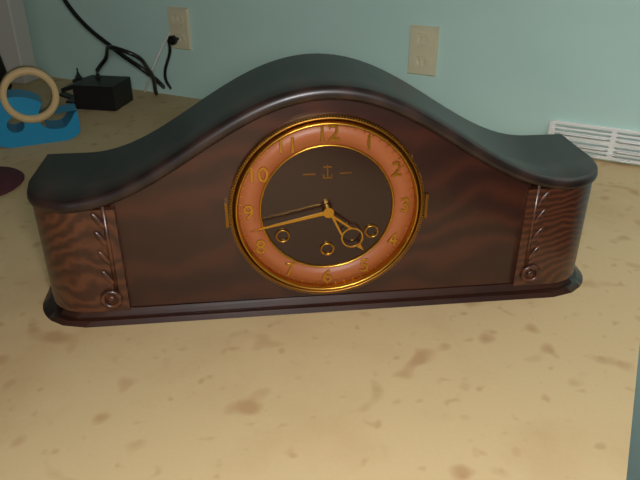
4:43
